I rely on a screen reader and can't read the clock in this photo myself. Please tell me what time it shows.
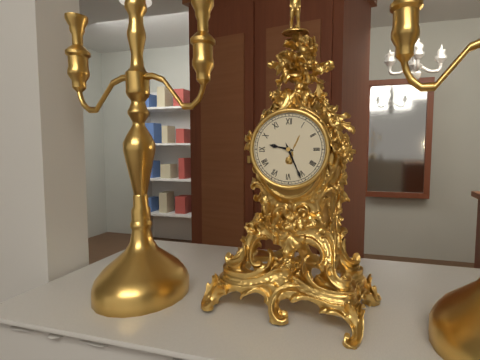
9:26
